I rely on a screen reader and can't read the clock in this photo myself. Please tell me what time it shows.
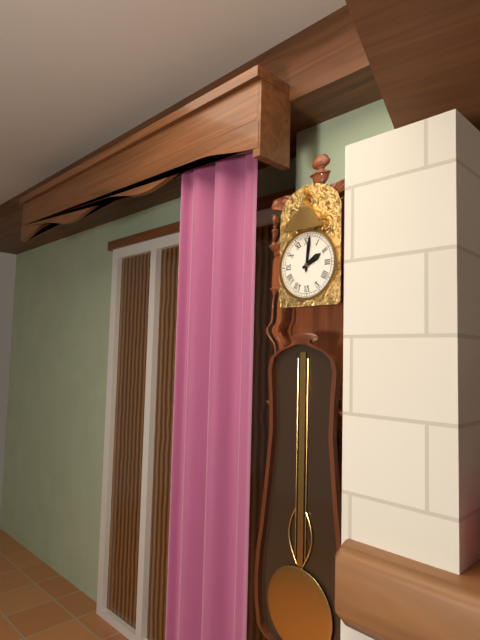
2:01
